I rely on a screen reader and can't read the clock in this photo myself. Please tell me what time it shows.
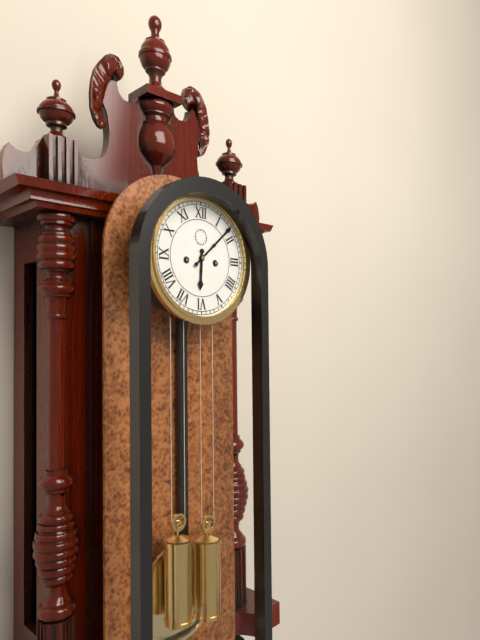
6:08
